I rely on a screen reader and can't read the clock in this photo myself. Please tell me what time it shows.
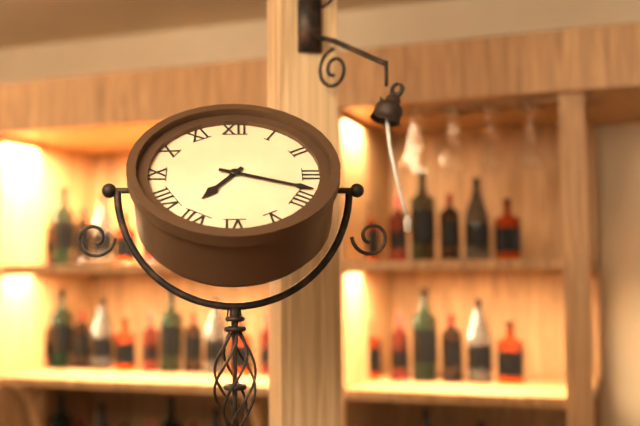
7:18
